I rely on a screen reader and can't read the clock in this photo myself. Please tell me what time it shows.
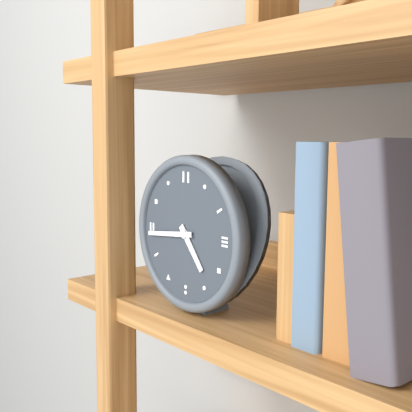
4:44
